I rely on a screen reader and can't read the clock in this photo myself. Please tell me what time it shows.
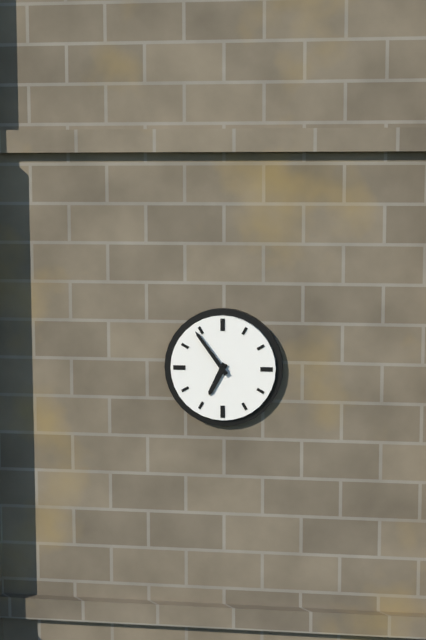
6:54
